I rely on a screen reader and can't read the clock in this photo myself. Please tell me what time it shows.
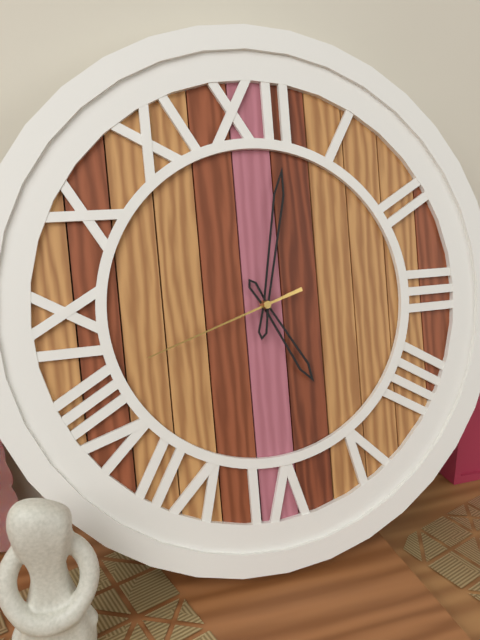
5:02:42
